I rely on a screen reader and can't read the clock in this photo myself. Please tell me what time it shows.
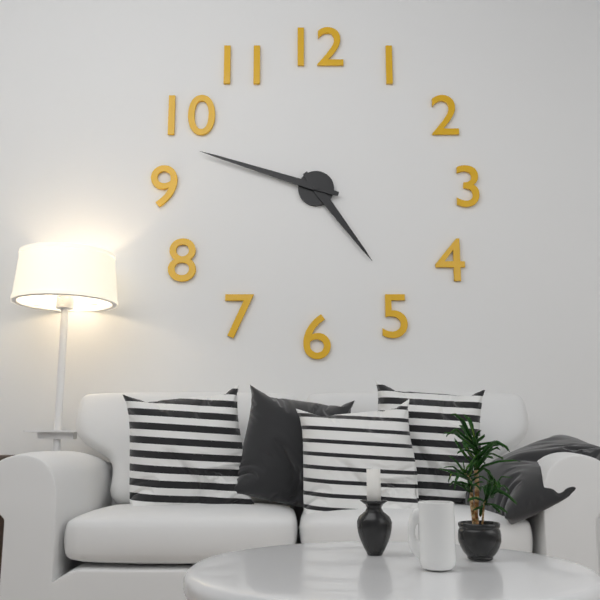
4:48
